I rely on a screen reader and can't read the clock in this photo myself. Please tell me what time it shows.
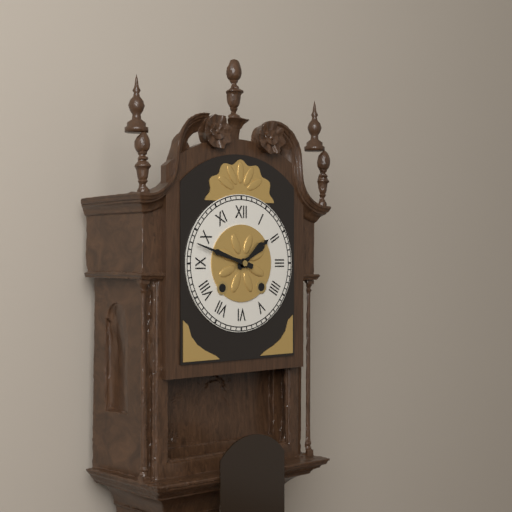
1:48
